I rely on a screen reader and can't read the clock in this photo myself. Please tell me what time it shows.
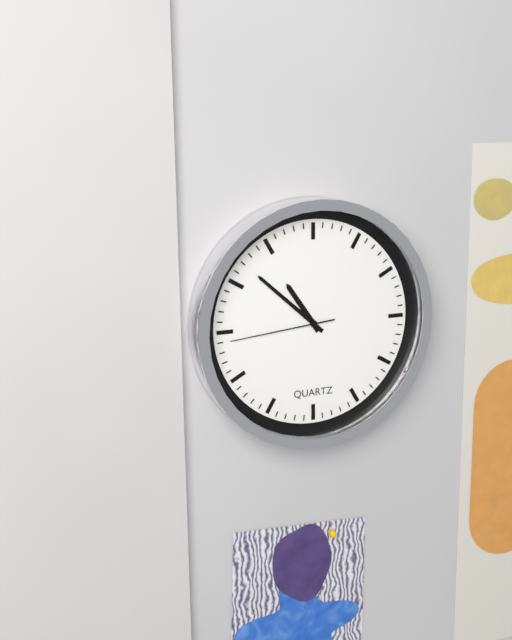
10:52:44
